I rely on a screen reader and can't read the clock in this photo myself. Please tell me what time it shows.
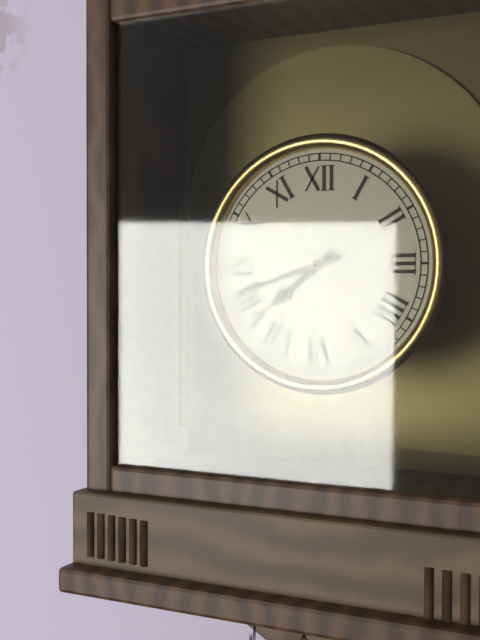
7:42
